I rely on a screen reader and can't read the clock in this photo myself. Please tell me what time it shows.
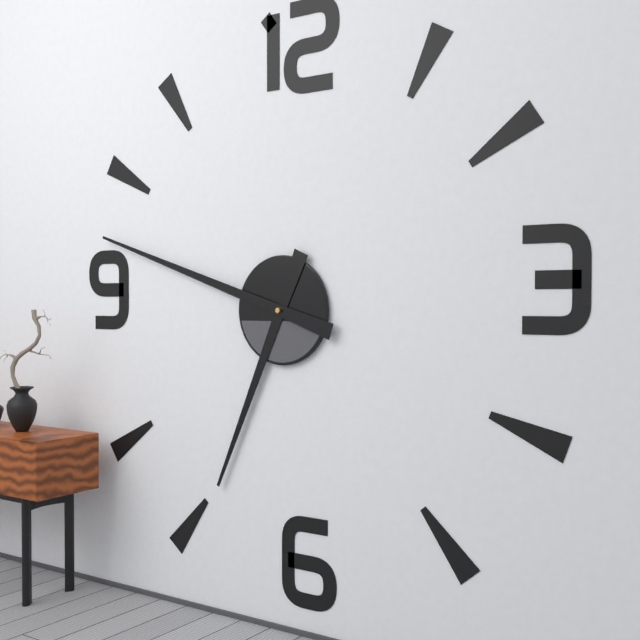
6:48
